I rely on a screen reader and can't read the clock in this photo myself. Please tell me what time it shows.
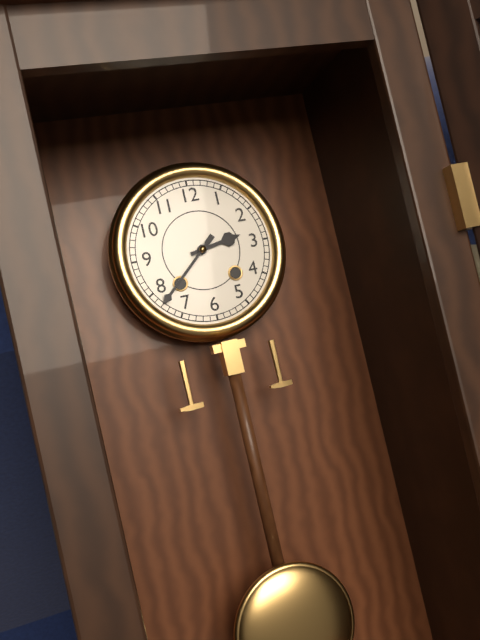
2:38
